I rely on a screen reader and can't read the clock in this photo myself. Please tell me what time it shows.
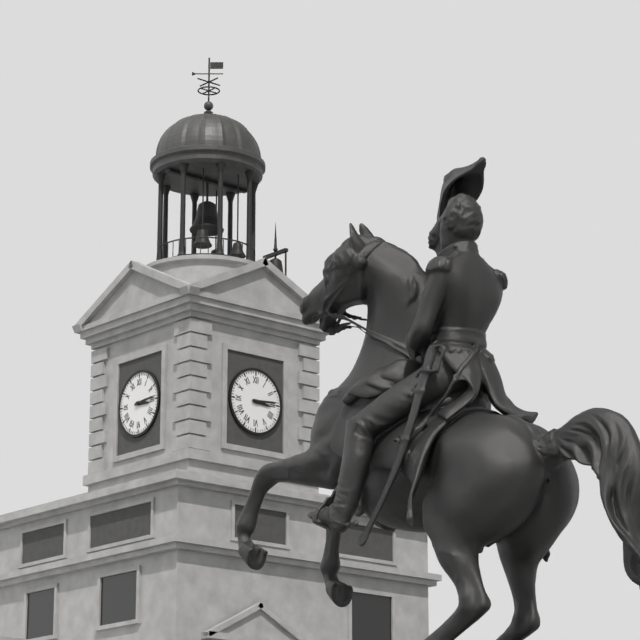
3:14
